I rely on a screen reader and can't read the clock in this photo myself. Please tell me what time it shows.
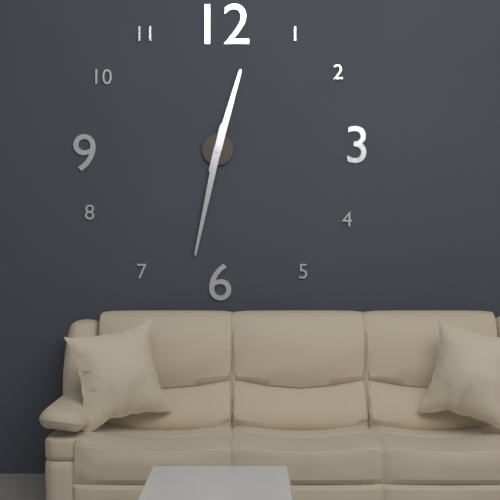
12:32
